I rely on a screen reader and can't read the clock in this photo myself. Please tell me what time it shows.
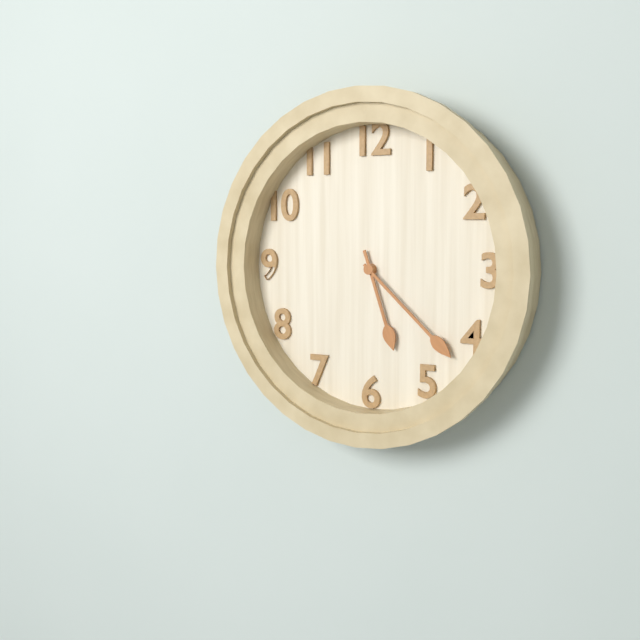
5:22
